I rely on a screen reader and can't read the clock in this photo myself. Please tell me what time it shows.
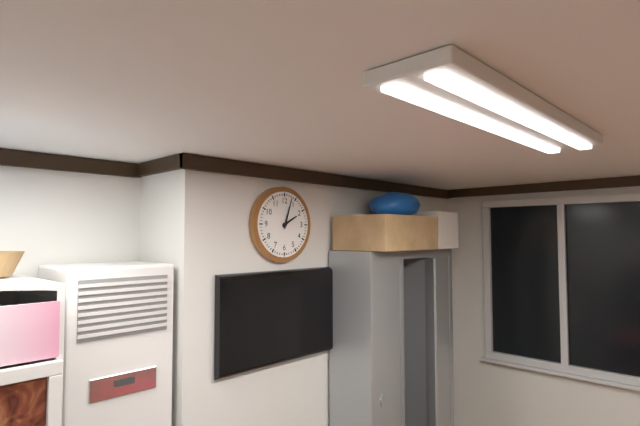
2:03
